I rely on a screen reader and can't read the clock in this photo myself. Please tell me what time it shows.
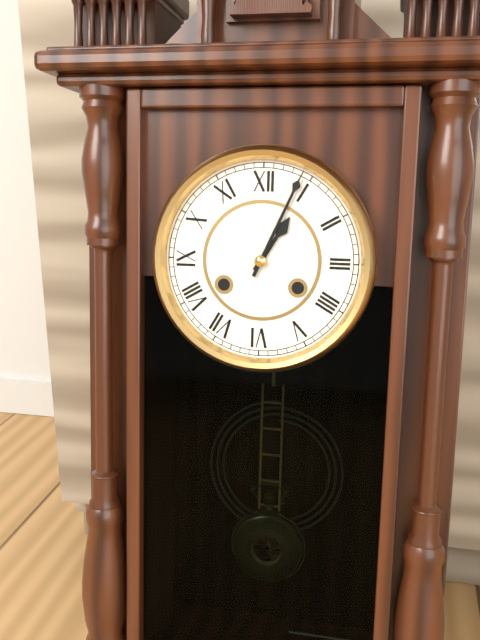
1:04
